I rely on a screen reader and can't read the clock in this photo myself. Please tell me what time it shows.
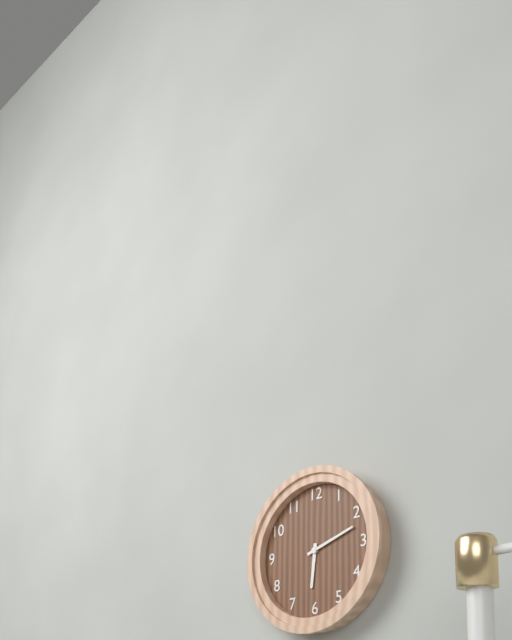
6:12
